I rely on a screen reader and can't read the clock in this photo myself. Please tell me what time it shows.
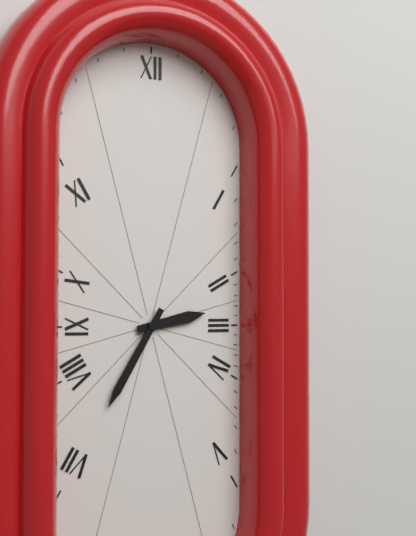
2:35
